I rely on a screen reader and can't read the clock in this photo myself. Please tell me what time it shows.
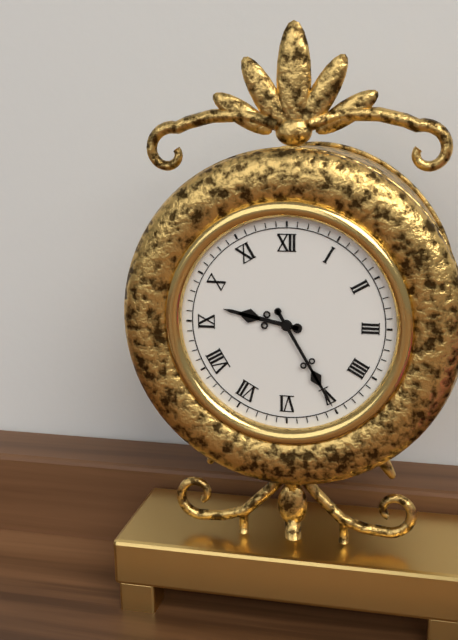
9:25
